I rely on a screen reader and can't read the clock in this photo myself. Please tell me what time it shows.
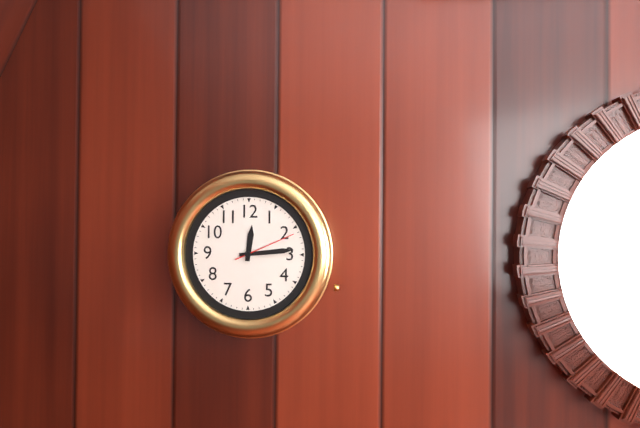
12:14:11
